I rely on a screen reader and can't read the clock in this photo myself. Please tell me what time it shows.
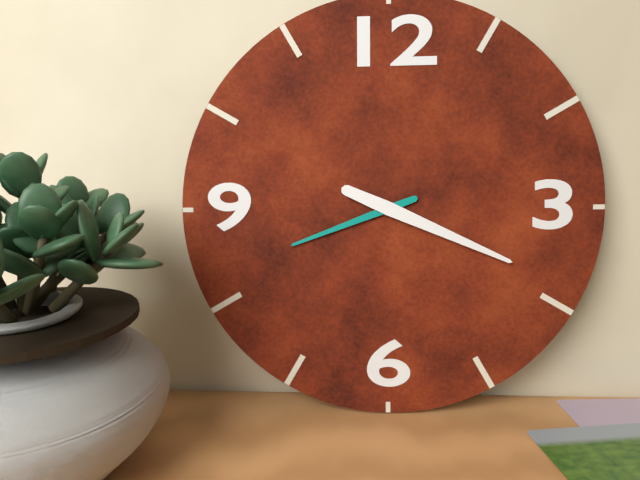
8:19
